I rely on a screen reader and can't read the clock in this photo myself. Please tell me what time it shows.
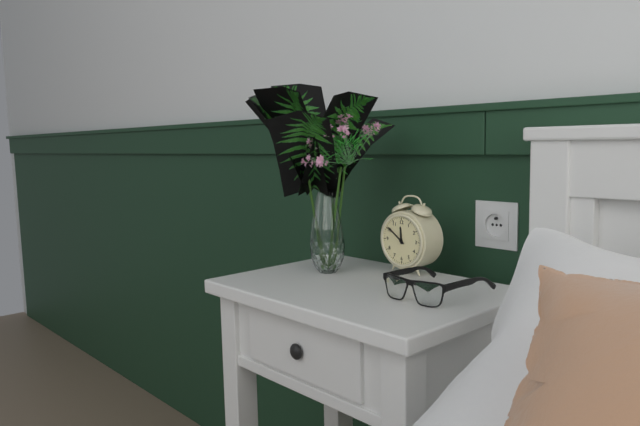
11:51
